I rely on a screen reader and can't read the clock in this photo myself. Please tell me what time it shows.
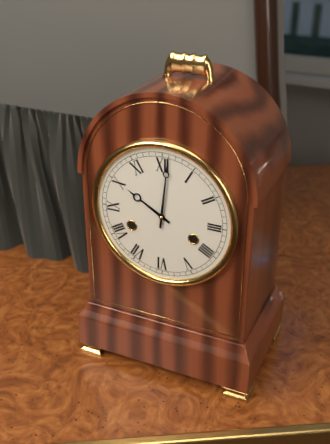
10:01
